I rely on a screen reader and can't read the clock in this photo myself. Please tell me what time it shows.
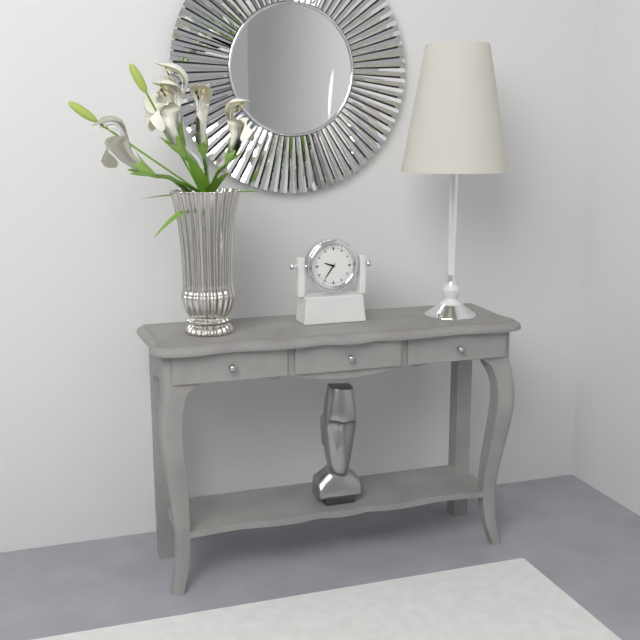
9:36
